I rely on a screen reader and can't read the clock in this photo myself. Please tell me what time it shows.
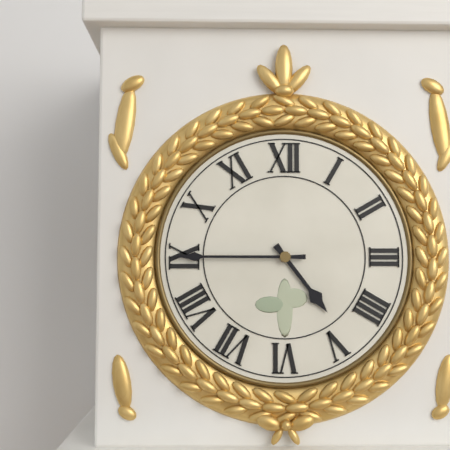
4:45
